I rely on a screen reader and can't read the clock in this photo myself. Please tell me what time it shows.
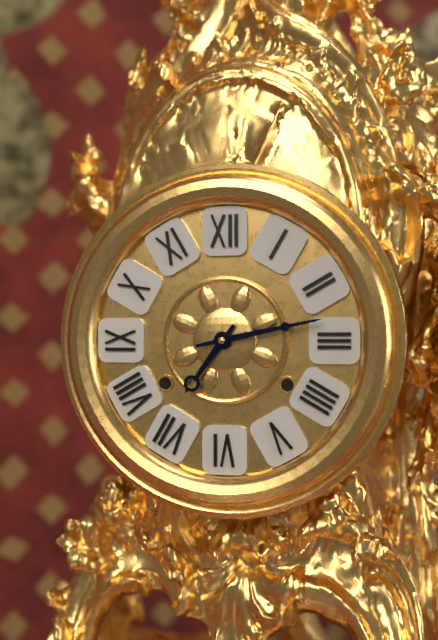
7:13
